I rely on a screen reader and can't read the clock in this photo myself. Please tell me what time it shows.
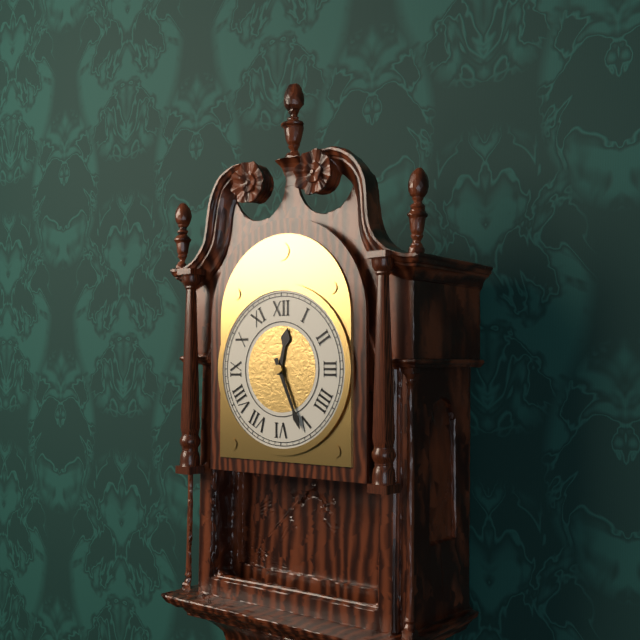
12:26
